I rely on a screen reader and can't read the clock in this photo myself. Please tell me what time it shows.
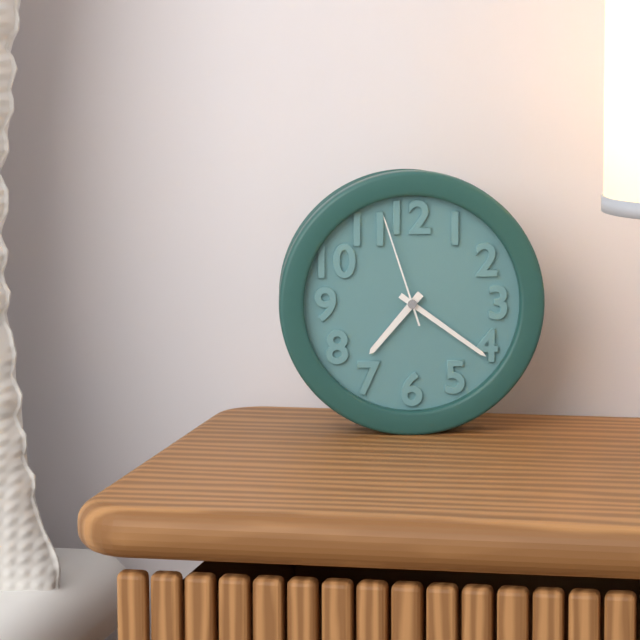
7:21:57
